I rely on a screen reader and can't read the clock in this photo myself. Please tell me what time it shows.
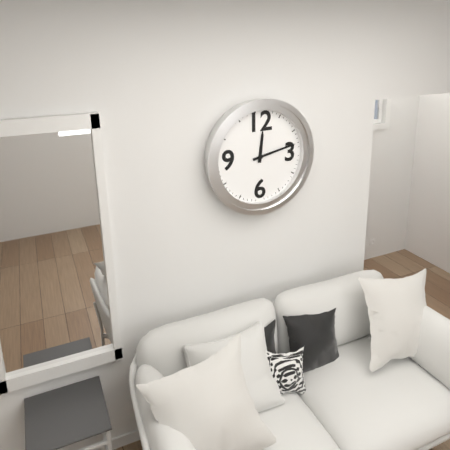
12:13
